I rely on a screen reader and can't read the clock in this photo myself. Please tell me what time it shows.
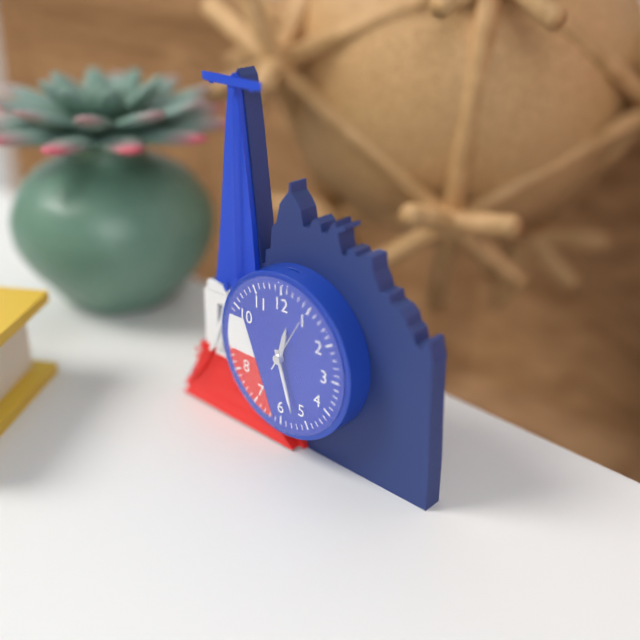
12:27
